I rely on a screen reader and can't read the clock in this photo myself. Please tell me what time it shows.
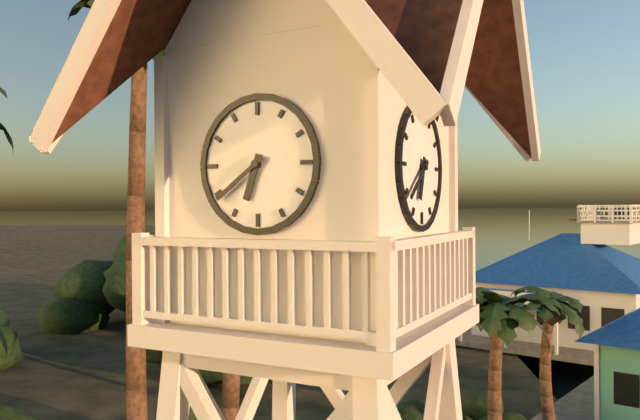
6:39
